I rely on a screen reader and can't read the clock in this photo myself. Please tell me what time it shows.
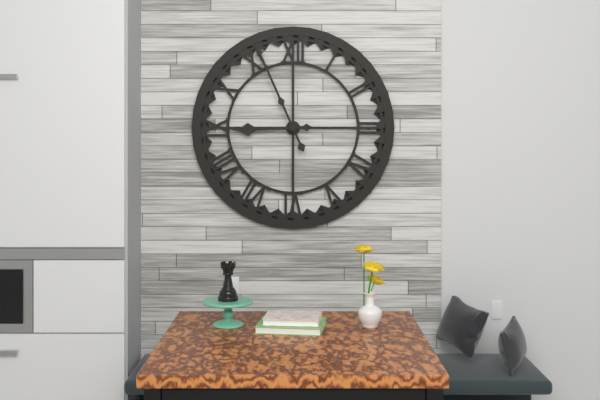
8:56
